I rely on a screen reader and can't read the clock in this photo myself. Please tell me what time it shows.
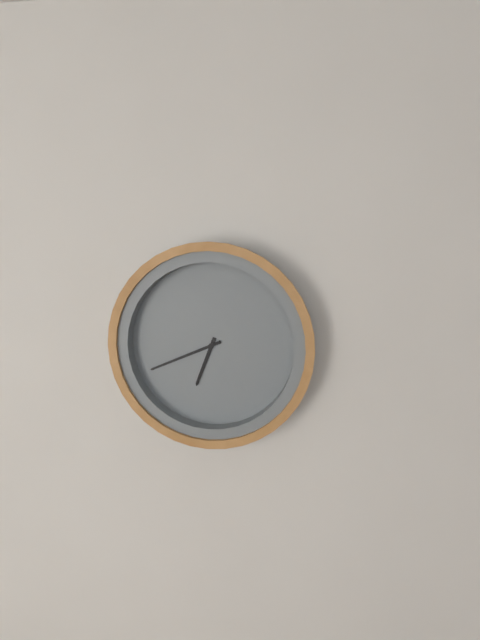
6:41
